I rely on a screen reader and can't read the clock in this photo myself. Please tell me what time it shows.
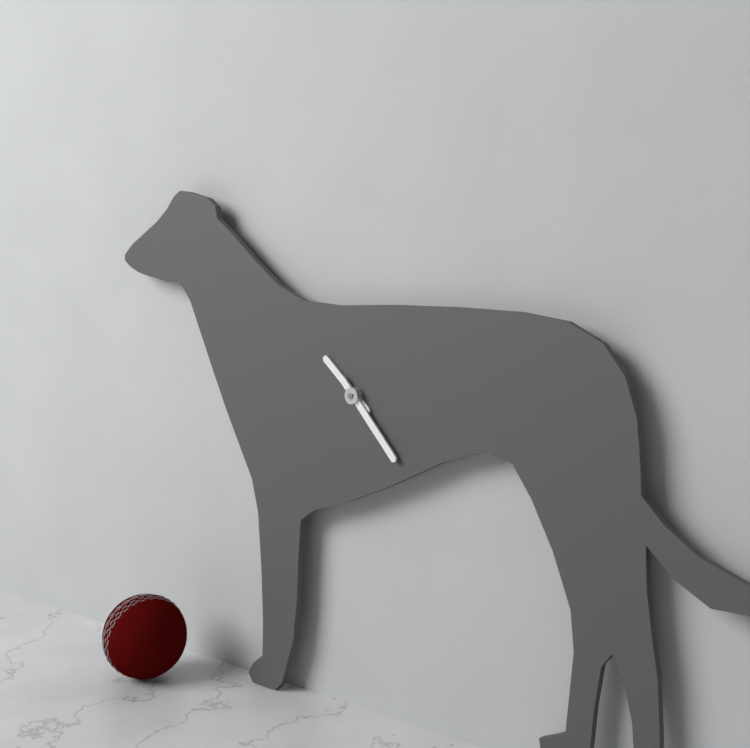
10:23
